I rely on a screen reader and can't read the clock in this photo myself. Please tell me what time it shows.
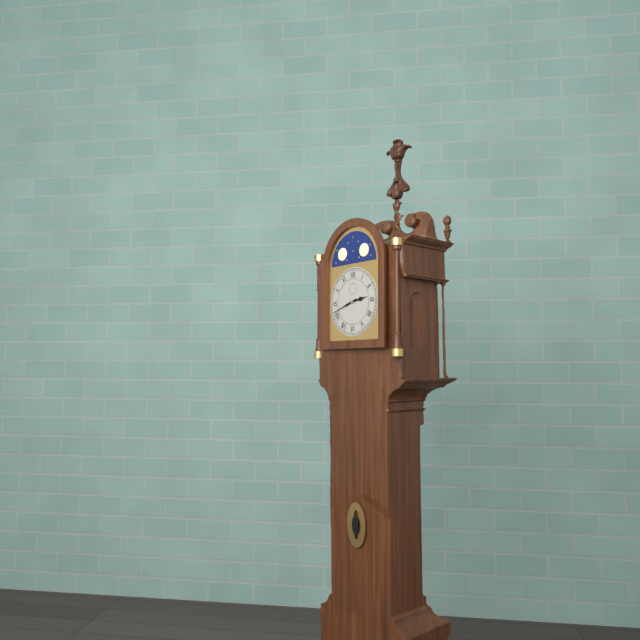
2:42
